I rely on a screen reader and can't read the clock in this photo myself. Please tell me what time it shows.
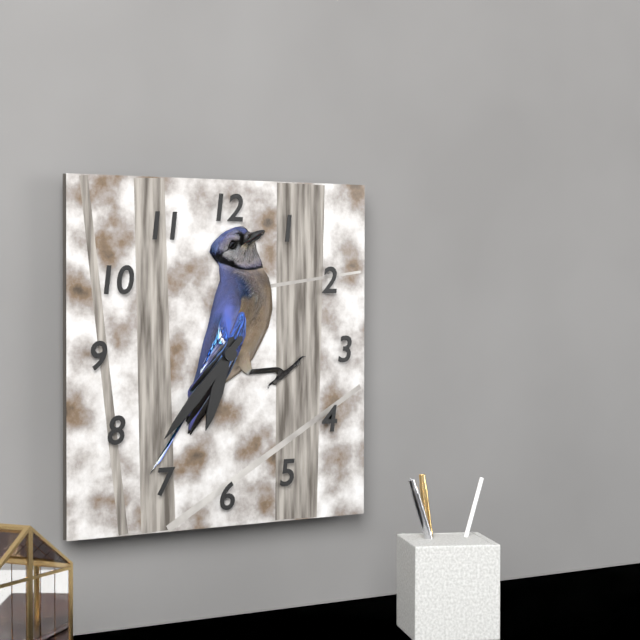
6:37
